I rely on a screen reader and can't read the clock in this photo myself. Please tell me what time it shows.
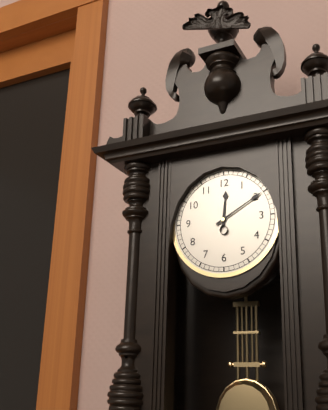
12:10
